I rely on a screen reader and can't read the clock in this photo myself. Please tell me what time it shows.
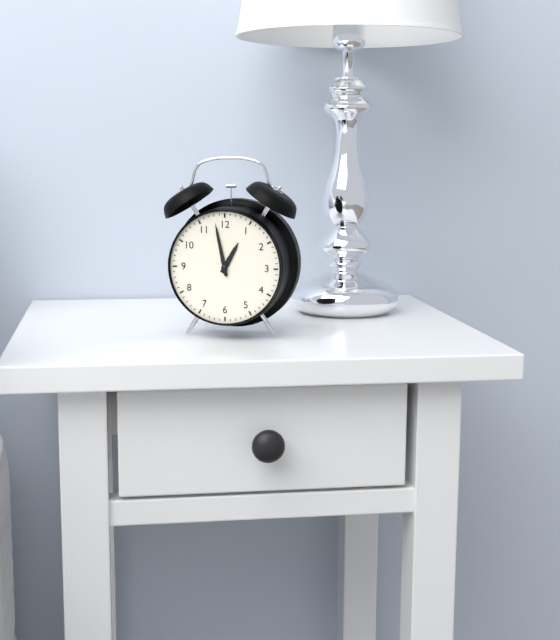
12:58
